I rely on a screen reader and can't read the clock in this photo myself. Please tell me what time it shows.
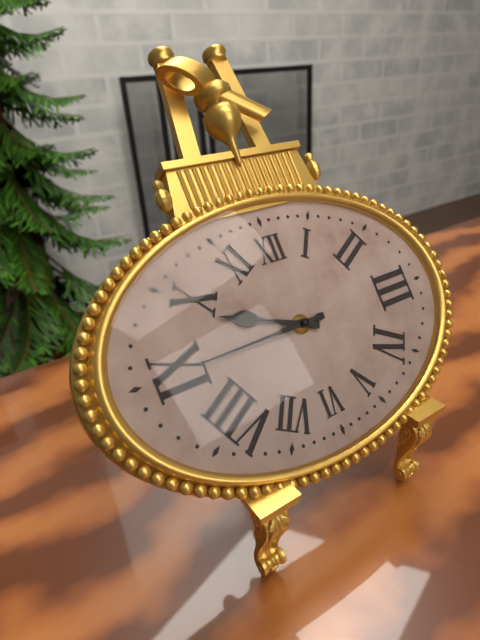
9:45
